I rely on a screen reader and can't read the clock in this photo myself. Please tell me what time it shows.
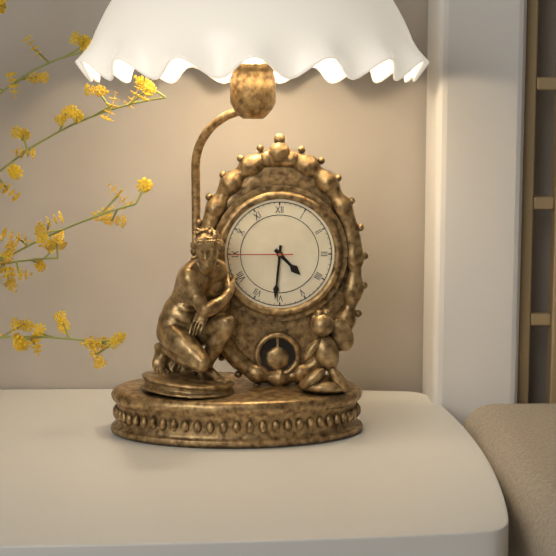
4:31:45
